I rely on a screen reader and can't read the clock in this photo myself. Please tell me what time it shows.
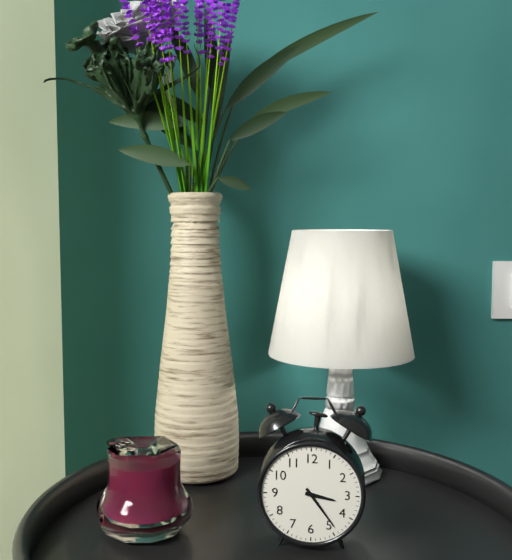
3:24
